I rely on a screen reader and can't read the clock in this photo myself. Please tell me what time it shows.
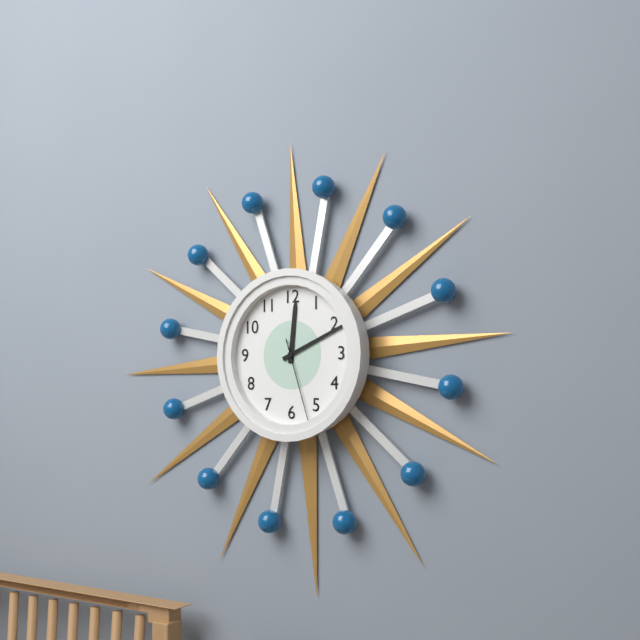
12:11:27
